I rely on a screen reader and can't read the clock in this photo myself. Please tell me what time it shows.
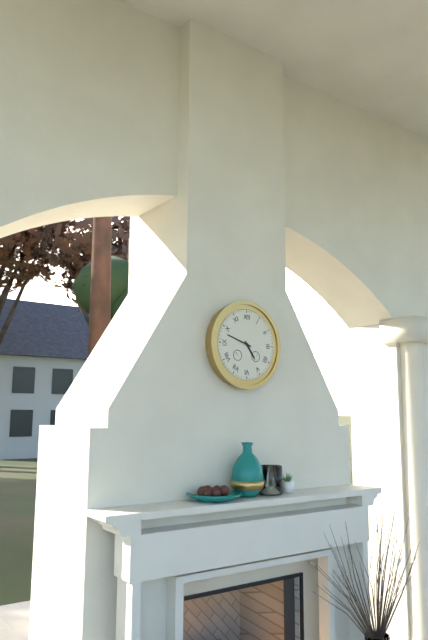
4:48
